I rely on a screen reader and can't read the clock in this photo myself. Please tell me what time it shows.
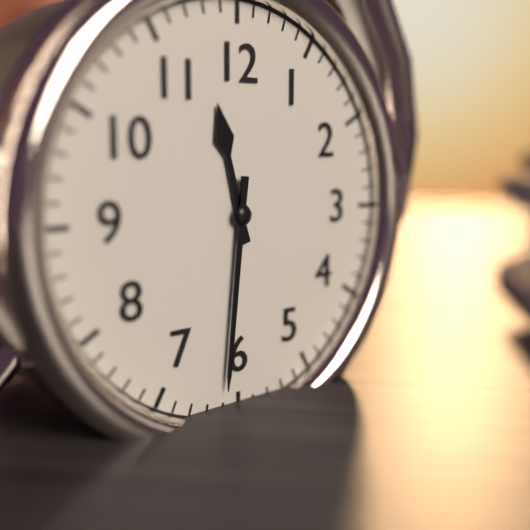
11:31
